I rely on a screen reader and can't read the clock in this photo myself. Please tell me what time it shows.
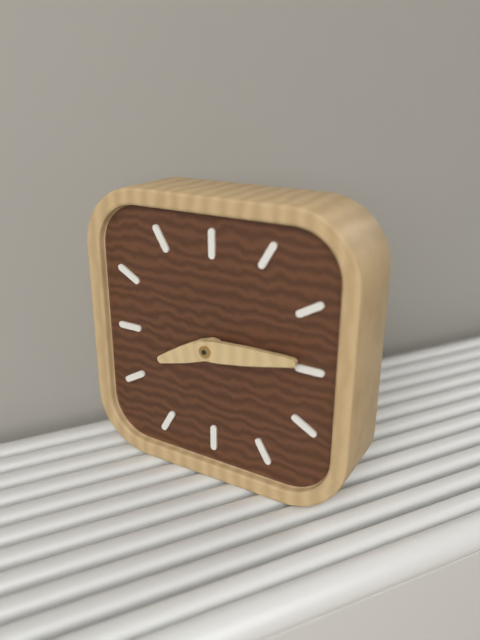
8:14
